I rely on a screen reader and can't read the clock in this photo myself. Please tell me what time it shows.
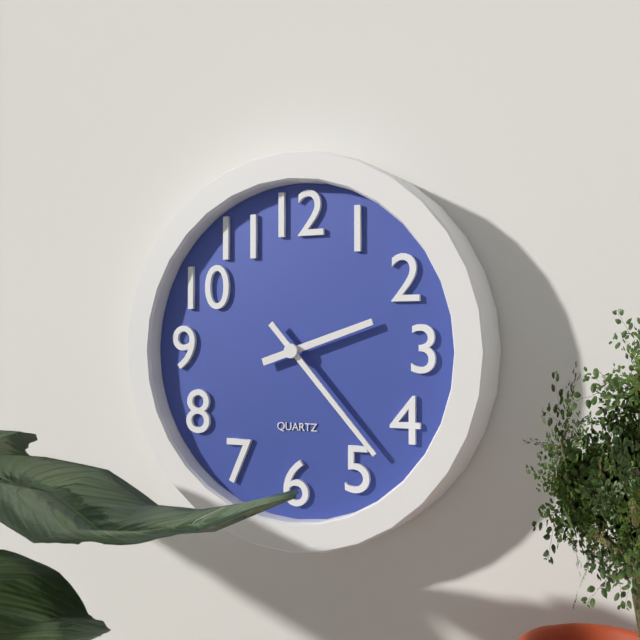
2:23
